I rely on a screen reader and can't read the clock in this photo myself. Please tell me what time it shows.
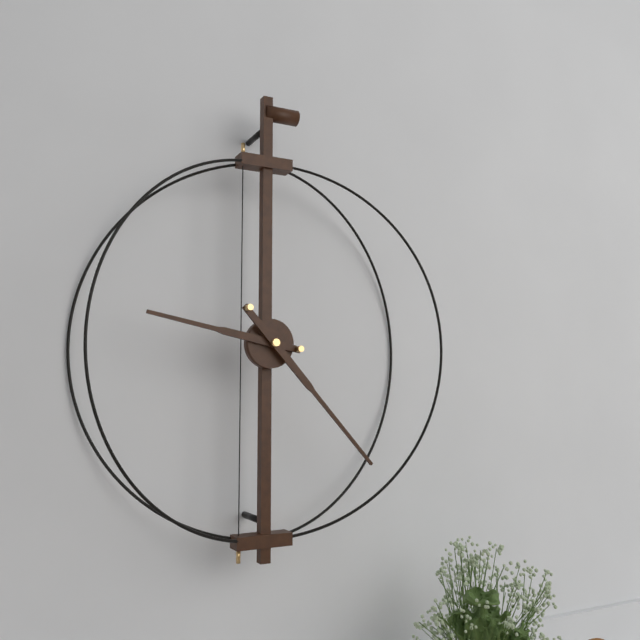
9:23
